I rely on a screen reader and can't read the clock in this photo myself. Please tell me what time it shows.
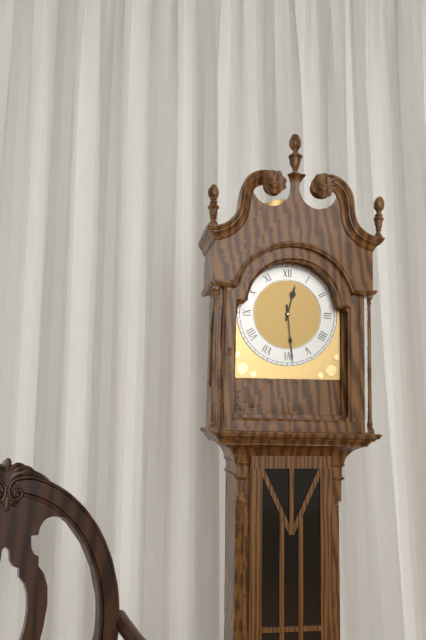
12:29
